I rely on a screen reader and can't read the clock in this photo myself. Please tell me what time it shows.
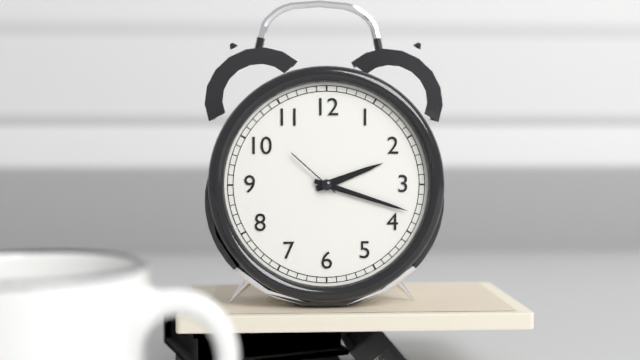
2:18:52
